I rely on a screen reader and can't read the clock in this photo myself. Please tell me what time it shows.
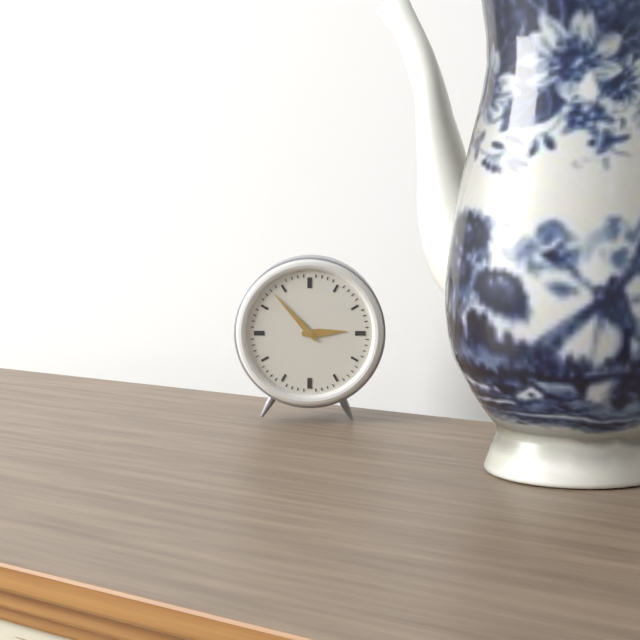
2:53
